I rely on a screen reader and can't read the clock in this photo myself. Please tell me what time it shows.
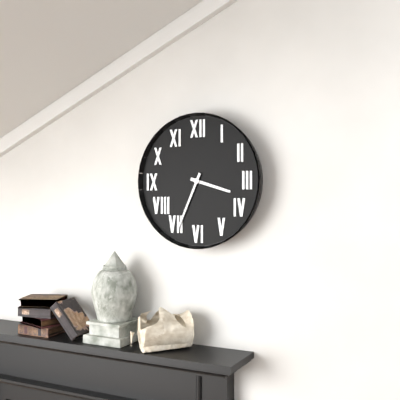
3:34
